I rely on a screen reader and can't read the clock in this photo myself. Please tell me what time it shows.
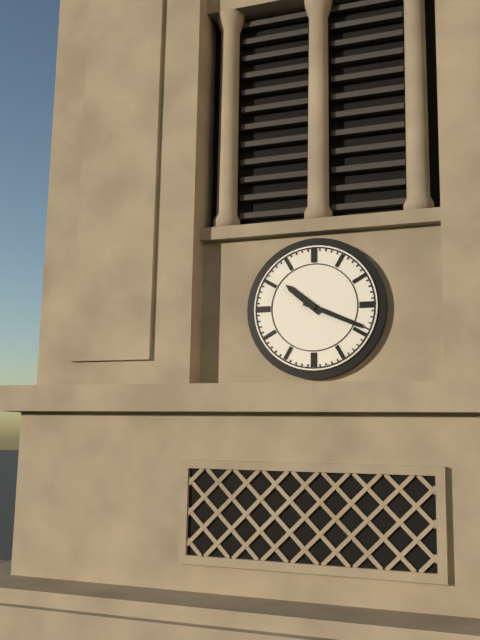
10:19
